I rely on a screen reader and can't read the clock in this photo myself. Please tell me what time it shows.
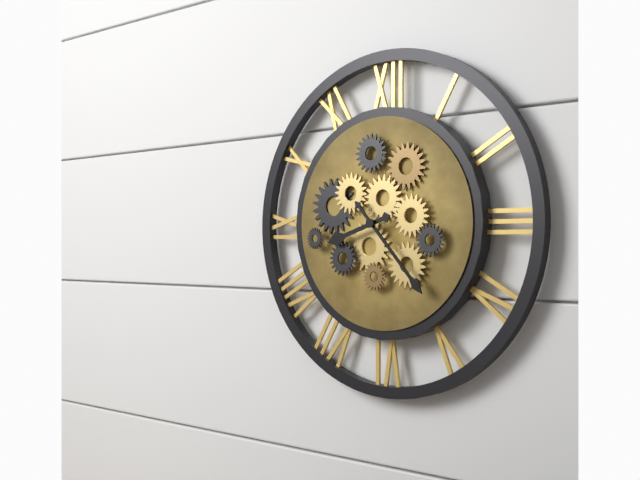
8:23
